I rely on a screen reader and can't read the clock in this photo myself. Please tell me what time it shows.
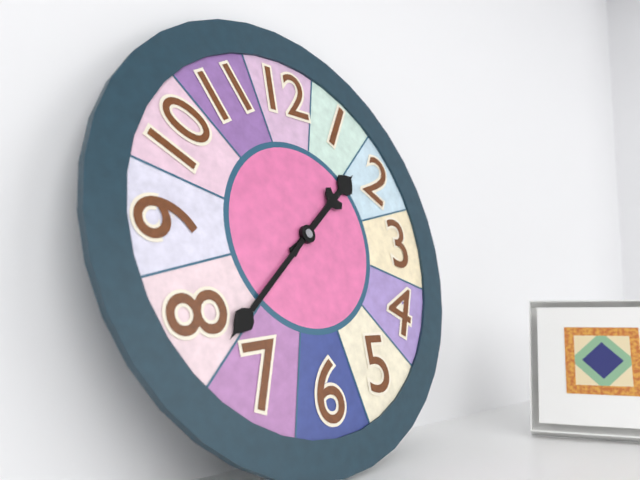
1:38
